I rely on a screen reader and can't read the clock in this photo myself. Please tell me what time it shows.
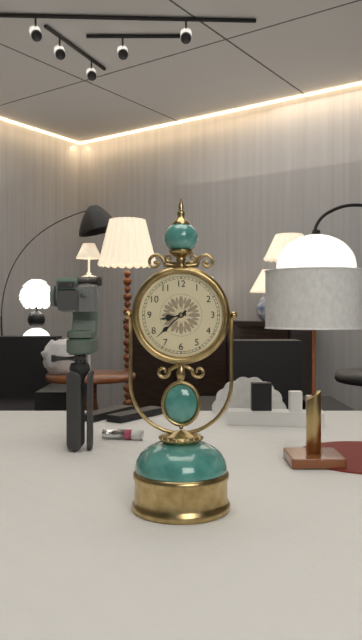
8:38
